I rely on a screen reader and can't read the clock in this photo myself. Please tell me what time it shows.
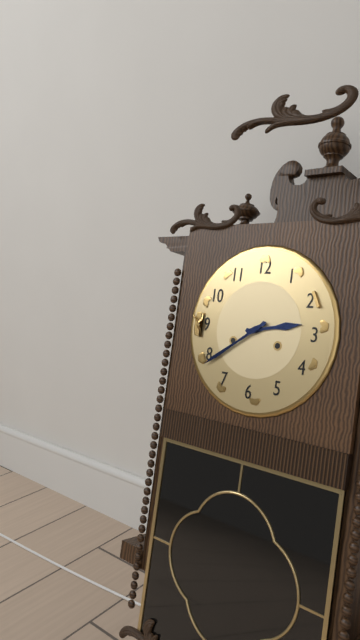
2:39
